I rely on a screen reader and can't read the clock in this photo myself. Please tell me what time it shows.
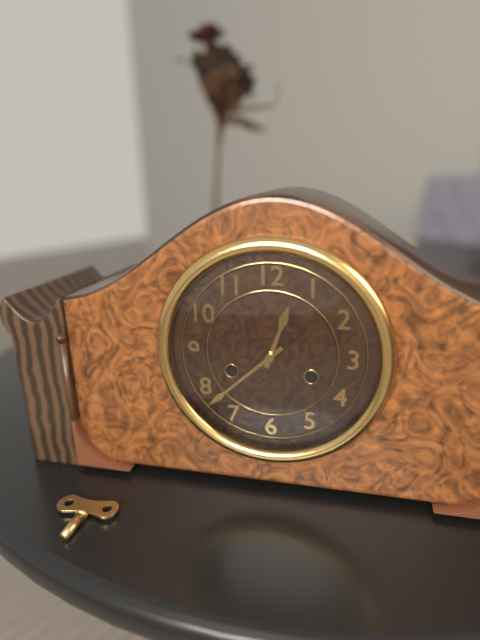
12:38
